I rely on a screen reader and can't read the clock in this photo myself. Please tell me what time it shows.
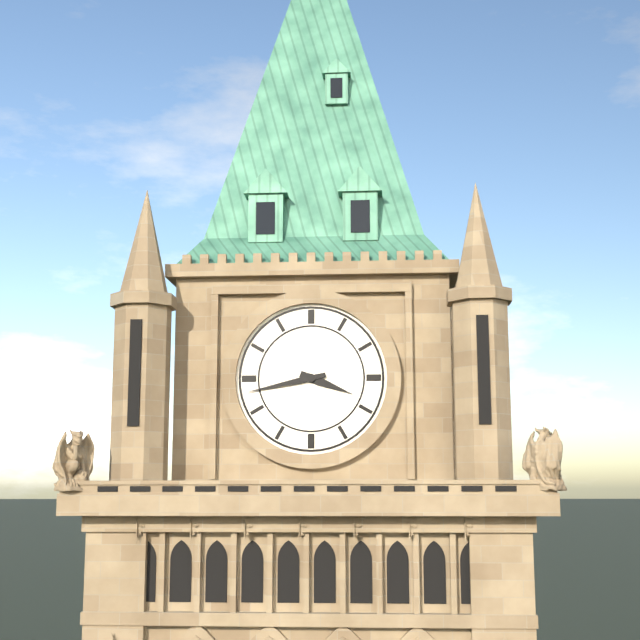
3:43
